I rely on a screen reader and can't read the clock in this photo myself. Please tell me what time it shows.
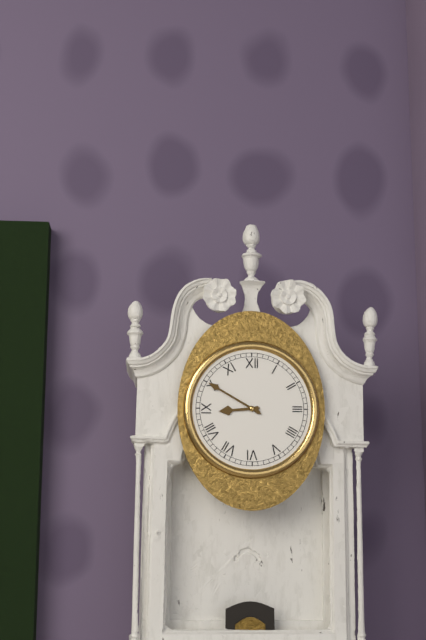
8:50
